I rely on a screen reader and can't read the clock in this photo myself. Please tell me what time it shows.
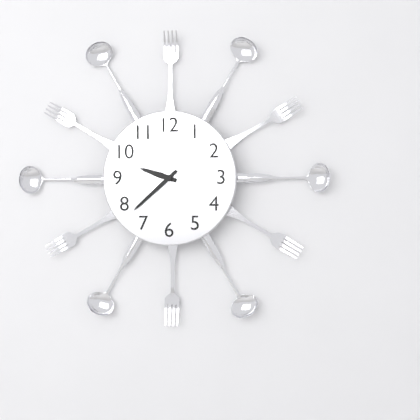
9:38
